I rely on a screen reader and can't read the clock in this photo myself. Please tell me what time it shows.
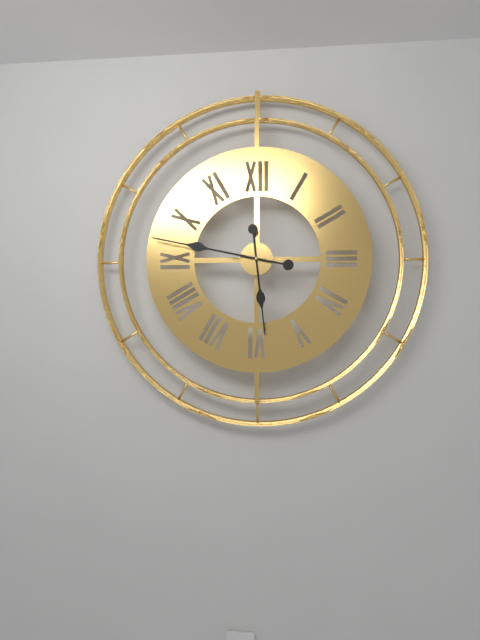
5:47
